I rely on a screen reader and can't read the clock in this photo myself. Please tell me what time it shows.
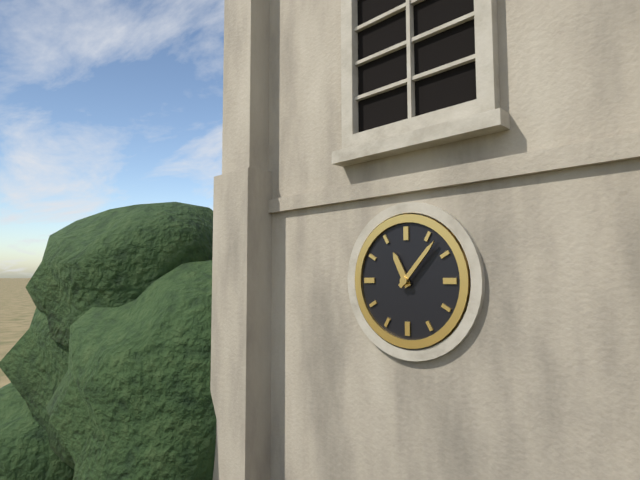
11:07
